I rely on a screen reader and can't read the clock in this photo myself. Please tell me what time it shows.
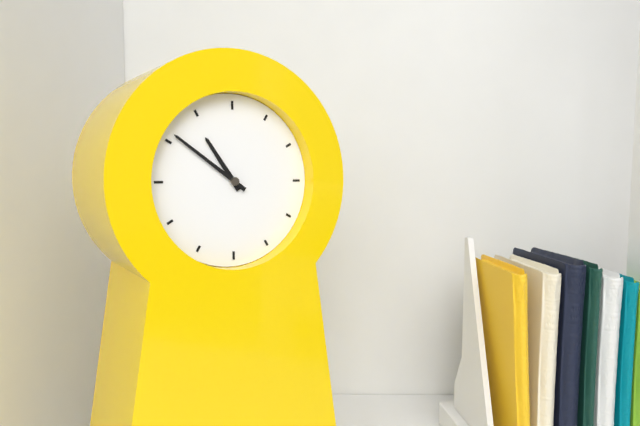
10:51
